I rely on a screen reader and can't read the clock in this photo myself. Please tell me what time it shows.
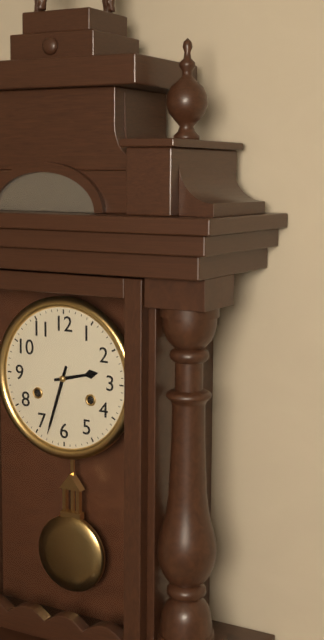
2:33
